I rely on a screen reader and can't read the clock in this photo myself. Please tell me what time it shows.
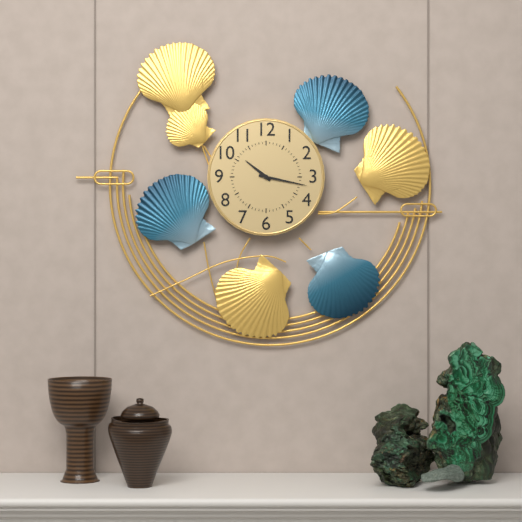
10:17
